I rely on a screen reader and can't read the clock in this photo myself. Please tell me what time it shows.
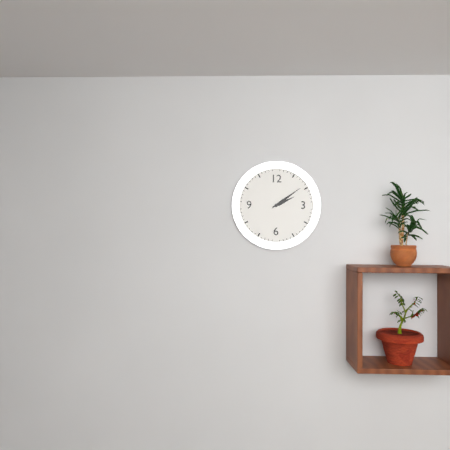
2:09
